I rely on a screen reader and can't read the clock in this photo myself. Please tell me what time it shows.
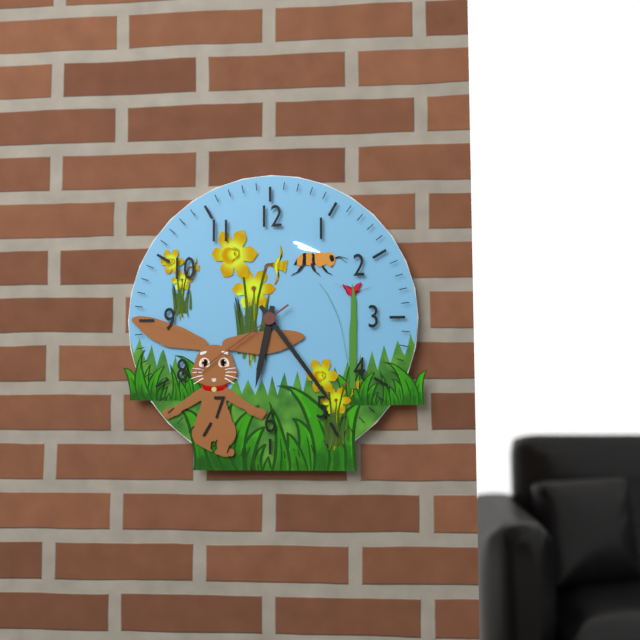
6:24:39
